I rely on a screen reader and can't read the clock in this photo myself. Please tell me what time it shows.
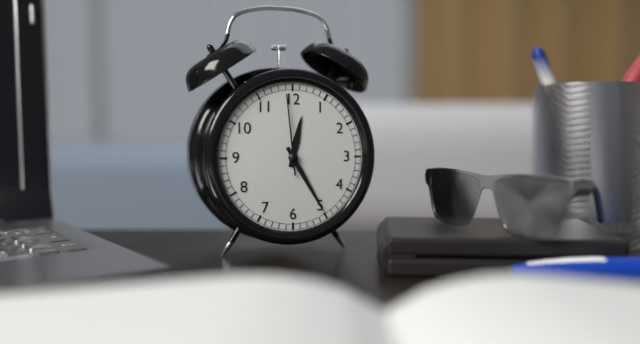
12:25:59
